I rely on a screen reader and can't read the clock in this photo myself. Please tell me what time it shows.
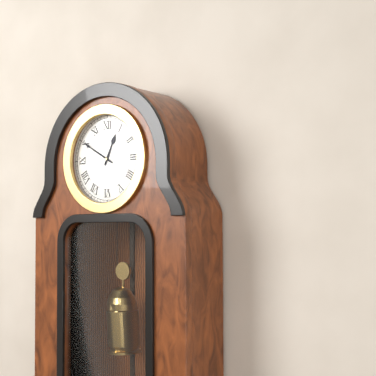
12:50
